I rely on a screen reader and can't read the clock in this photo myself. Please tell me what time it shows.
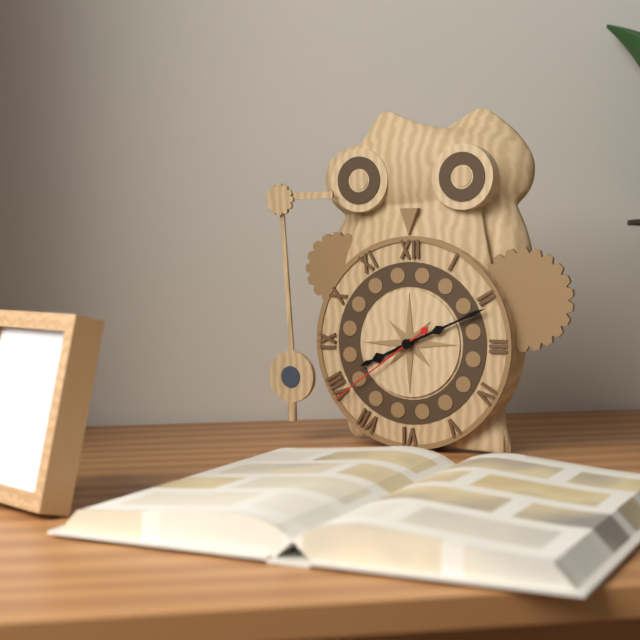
8:11:39
